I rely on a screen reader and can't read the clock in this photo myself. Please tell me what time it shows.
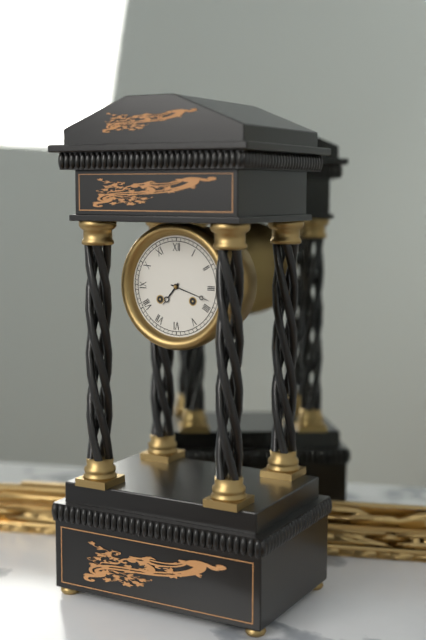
7:18
